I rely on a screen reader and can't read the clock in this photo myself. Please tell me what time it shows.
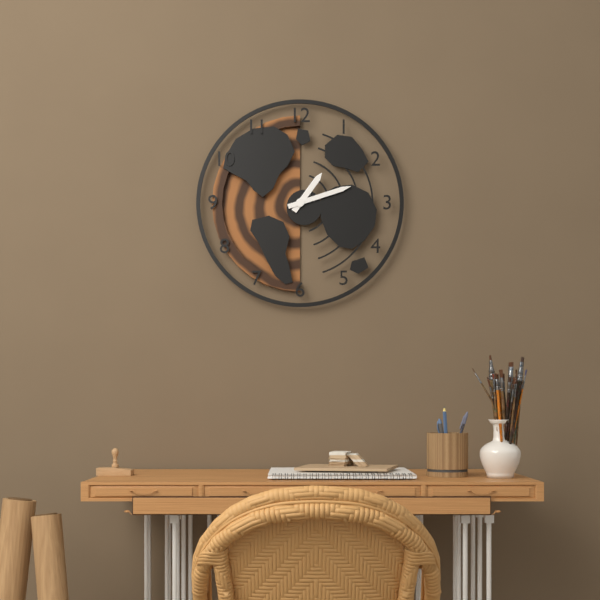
1:12
